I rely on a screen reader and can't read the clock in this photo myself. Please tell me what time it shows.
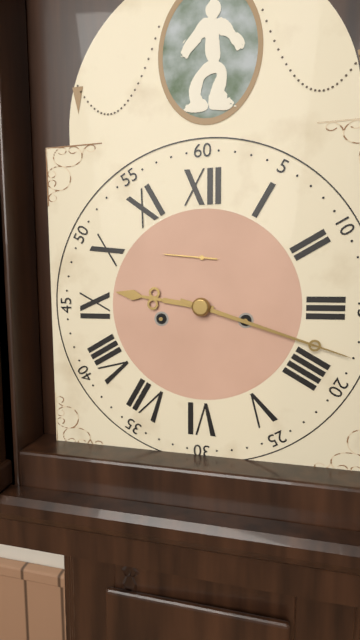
9:18
